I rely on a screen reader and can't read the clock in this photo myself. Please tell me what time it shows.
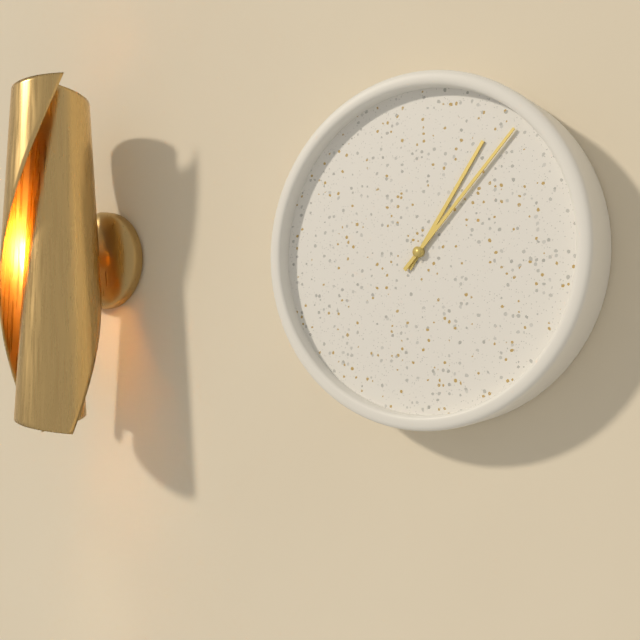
1:07
